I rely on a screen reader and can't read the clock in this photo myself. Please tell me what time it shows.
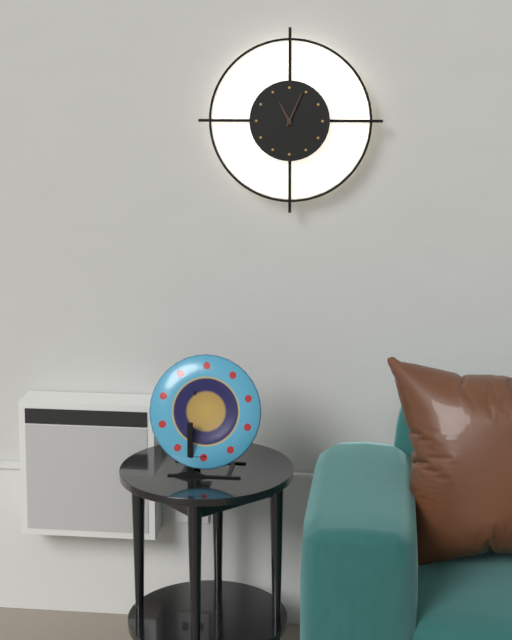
11:04
